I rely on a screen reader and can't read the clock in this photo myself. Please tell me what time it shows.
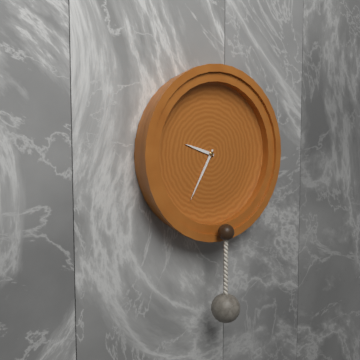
9:35
